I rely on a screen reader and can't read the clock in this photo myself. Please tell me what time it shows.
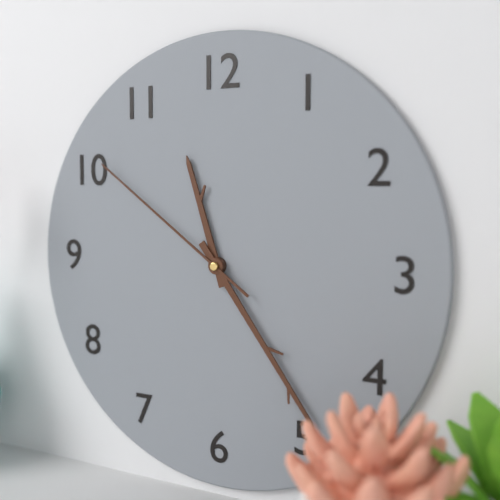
11:24:51
